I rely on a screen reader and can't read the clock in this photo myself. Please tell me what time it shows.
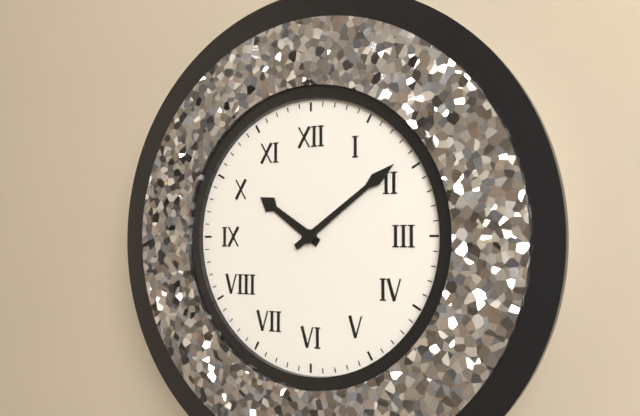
10:09
